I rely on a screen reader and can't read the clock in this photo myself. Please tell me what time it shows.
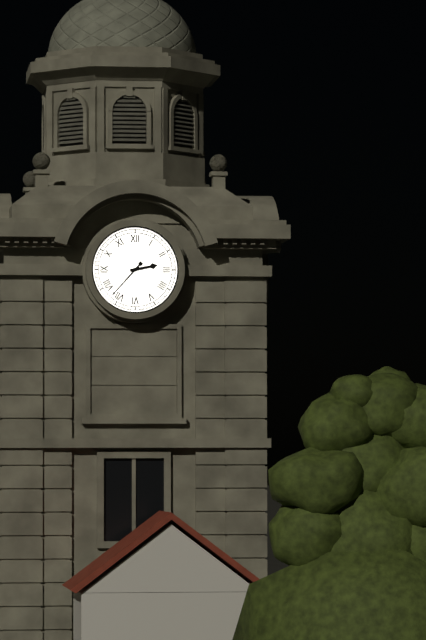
2:37
